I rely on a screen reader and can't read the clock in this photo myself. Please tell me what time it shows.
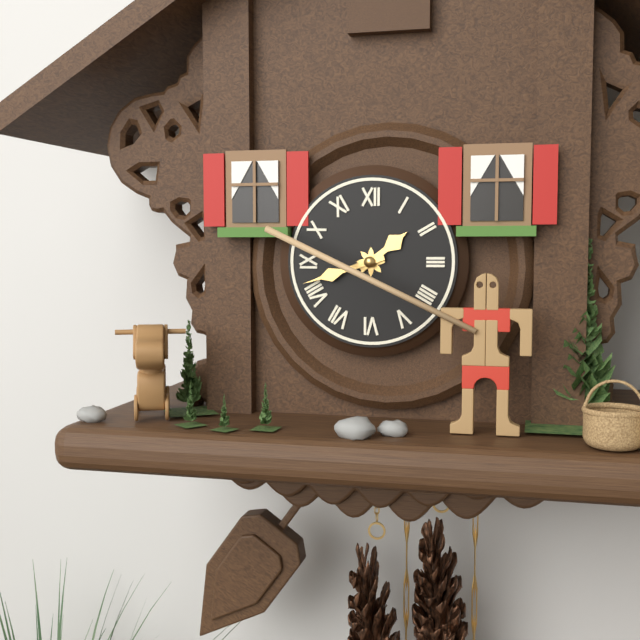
1:42
